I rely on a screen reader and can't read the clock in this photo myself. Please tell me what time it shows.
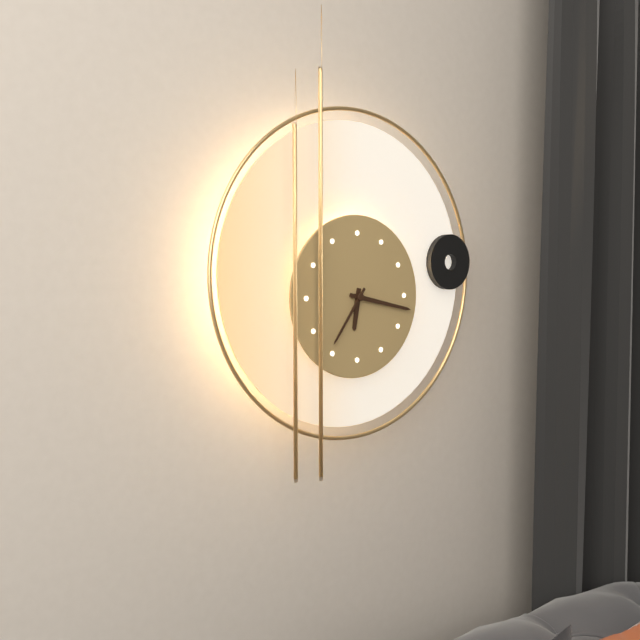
6:17:36
